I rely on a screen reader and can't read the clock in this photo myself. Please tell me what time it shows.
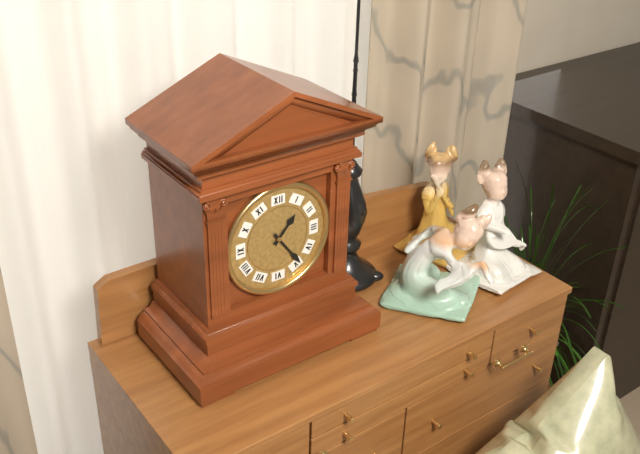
1:24
